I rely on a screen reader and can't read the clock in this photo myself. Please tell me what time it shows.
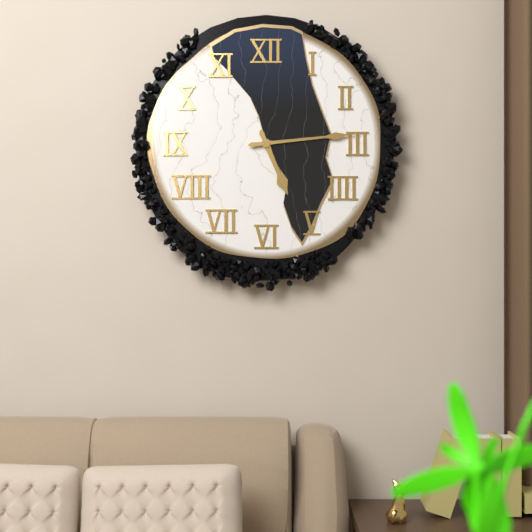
5:14
